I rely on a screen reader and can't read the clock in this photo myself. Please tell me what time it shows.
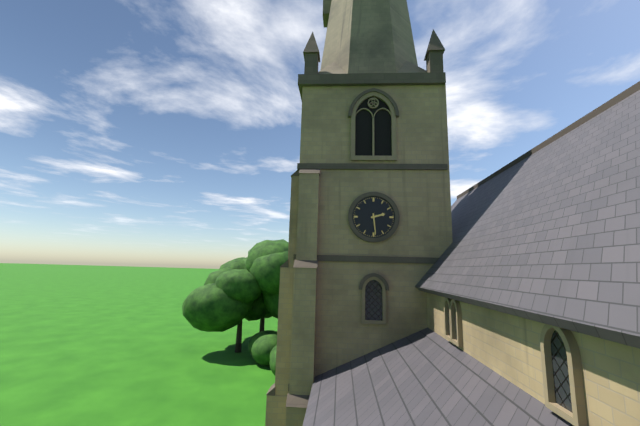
2:29
